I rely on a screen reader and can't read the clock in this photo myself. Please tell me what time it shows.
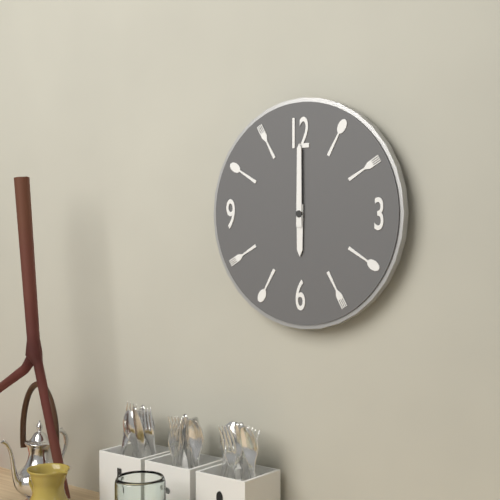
6:00
